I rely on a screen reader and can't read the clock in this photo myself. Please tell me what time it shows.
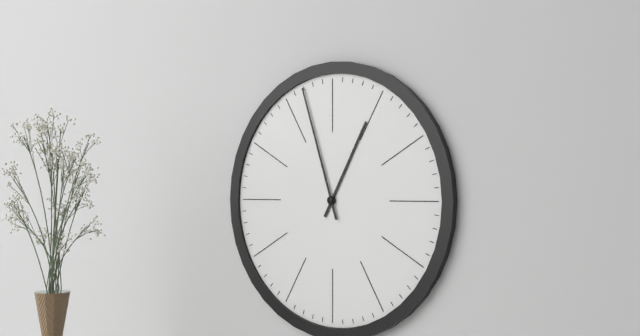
12:57
